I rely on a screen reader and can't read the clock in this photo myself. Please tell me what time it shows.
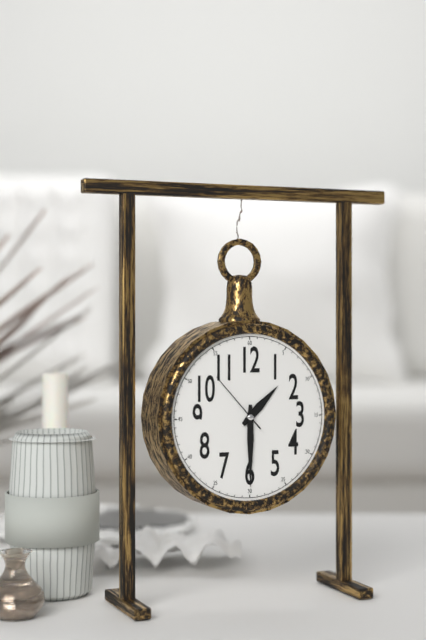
1:30:53
